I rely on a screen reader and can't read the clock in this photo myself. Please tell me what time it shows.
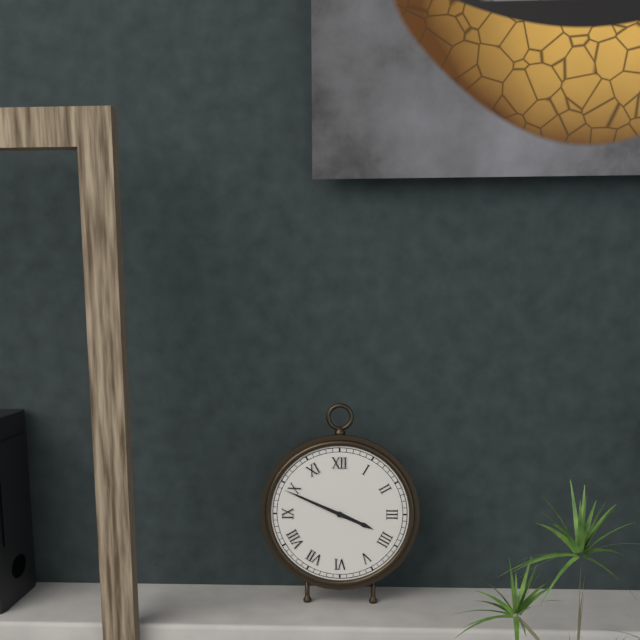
3:49
